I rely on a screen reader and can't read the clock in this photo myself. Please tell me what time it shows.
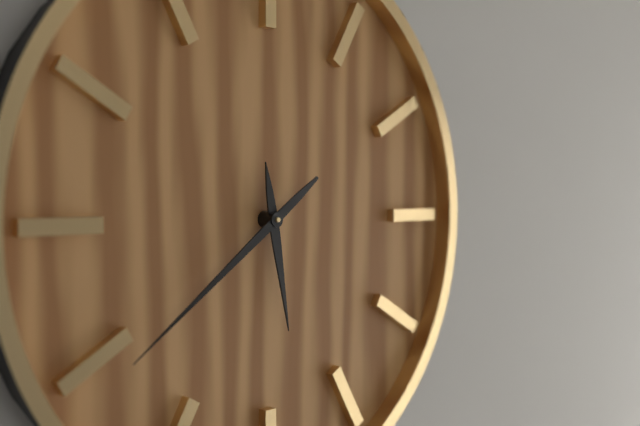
5:39
